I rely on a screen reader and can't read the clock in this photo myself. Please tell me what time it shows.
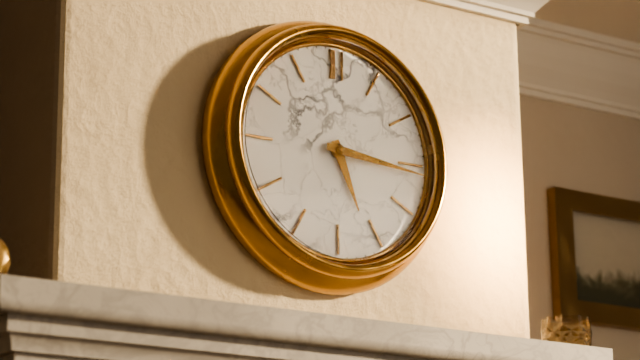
5:16
